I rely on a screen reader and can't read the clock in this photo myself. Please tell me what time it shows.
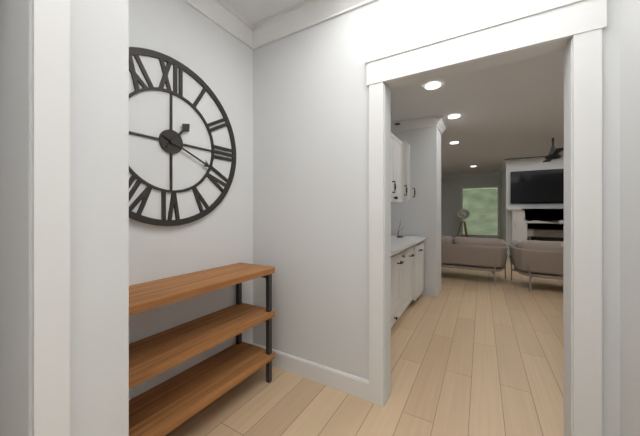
1:19
